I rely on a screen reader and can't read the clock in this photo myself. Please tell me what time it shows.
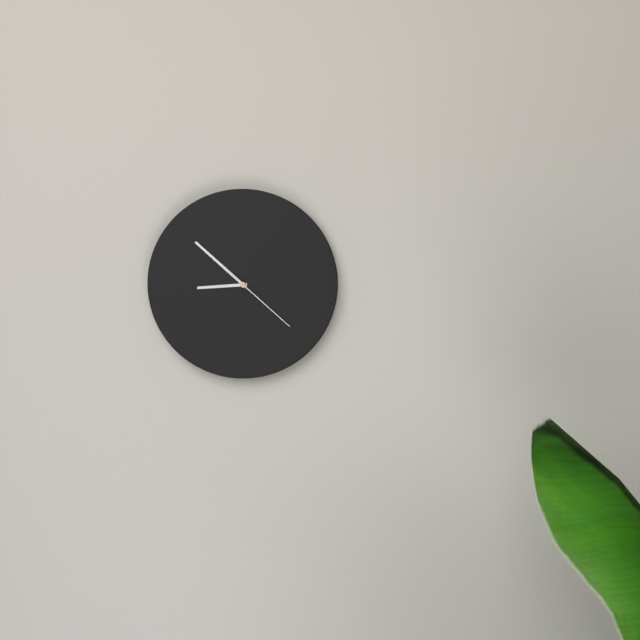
8:52:22
